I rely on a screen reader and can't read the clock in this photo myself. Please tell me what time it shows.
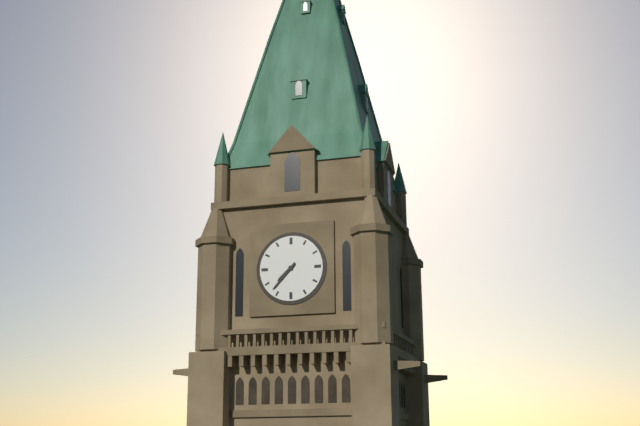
7:37
